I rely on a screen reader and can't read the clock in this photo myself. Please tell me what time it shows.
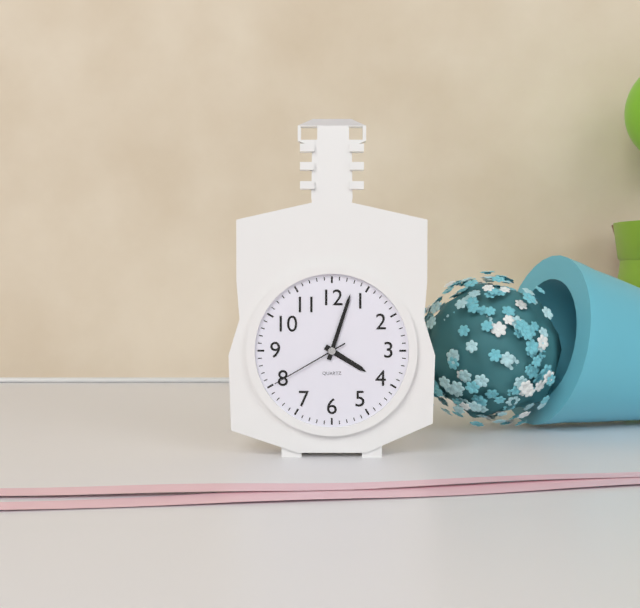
4:03:40
